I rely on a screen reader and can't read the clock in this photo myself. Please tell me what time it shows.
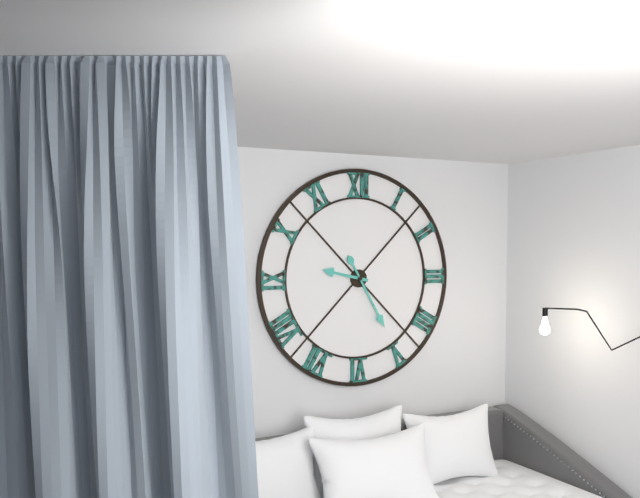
9:25
